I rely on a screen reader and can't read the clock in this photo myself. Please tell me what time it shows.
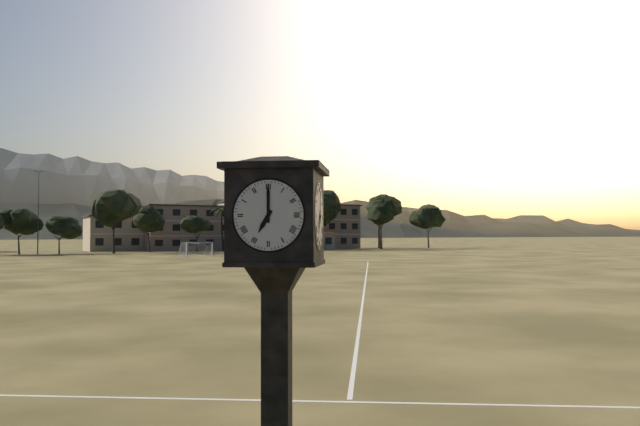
7:00
